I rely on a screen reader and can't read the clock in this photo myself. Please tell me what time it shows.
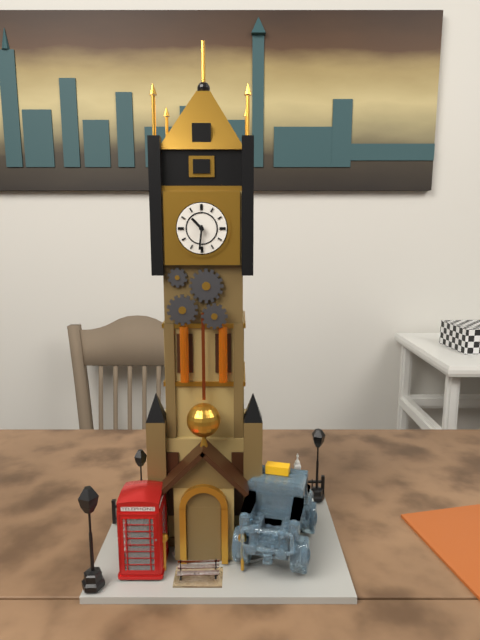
10:31
